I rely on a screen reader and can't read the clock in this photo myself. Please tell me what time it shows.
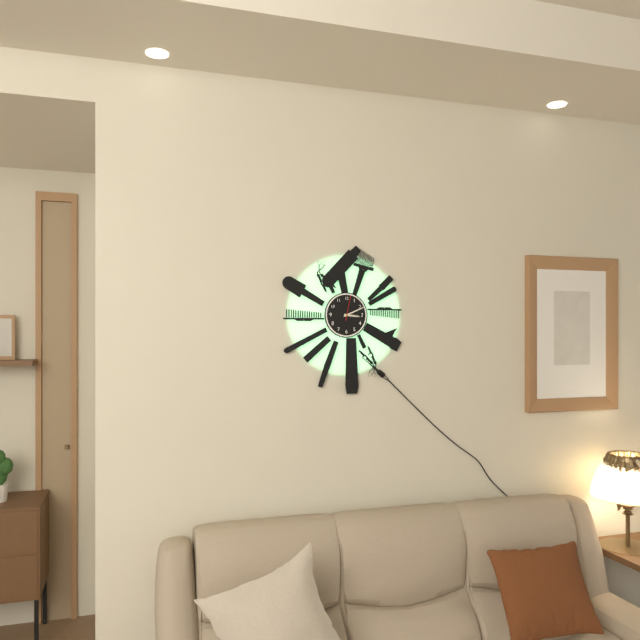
3:11
